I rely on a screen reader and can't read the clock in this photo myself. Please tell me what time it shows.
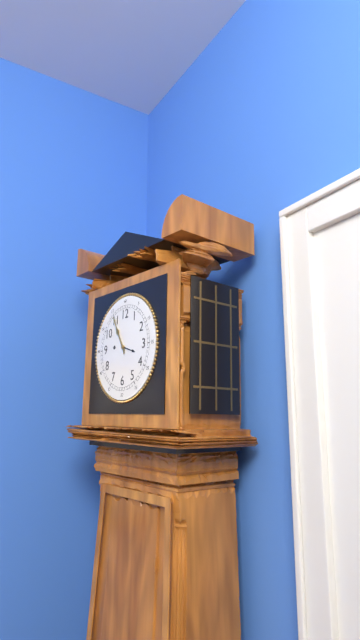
10:55
